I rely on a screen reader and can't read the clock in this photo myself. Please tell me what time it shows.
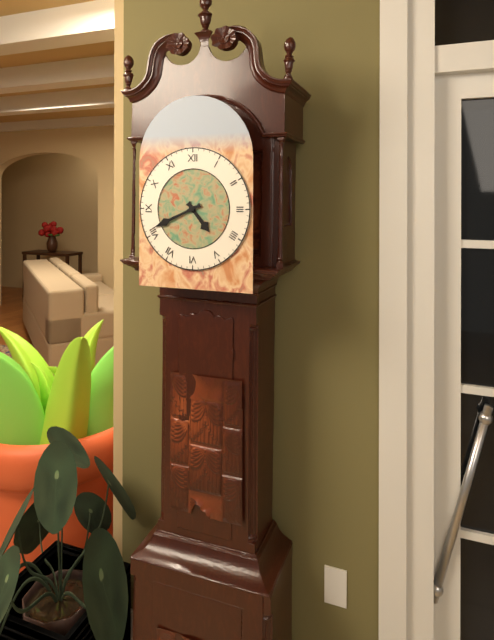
4:41
